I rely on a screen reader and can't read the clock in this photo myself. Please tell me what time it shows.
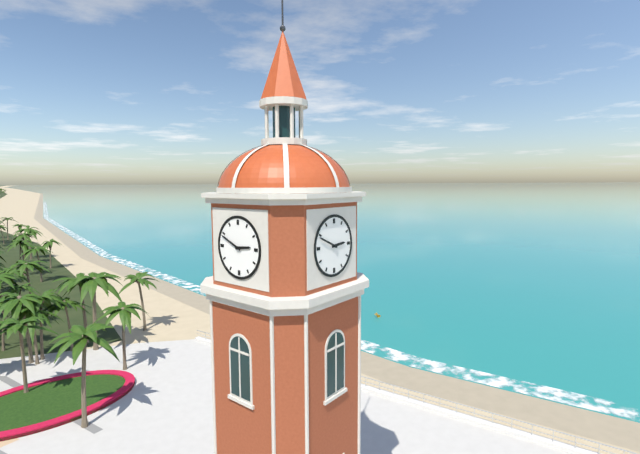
2:49
